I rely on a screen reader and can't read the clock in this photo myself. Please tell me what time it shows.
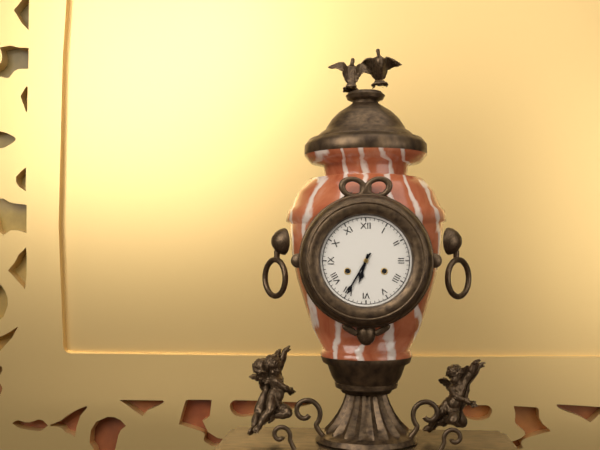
6:35
